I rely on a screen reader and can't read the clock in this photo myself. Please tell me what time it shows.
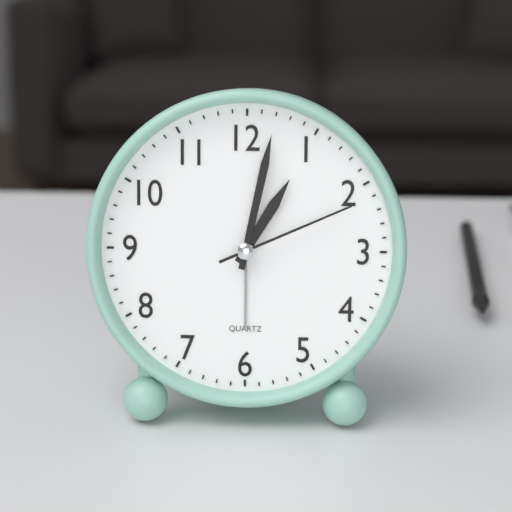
1:02:11
